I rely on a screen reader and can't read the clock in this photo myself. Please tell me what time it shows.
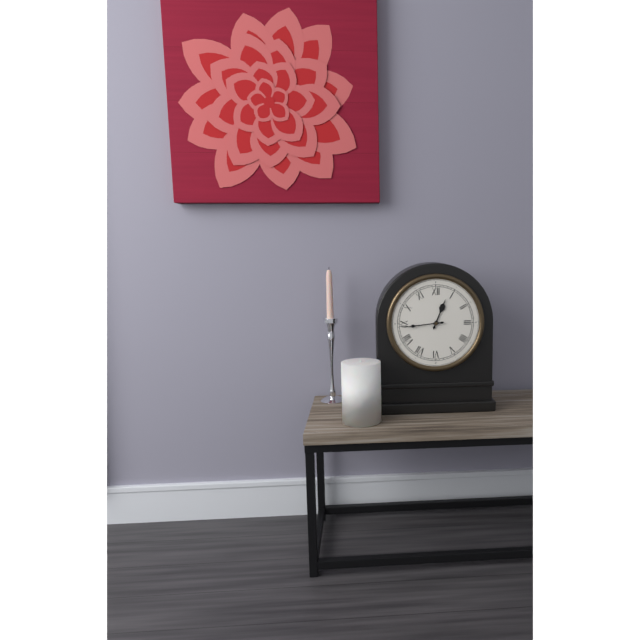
12:44
